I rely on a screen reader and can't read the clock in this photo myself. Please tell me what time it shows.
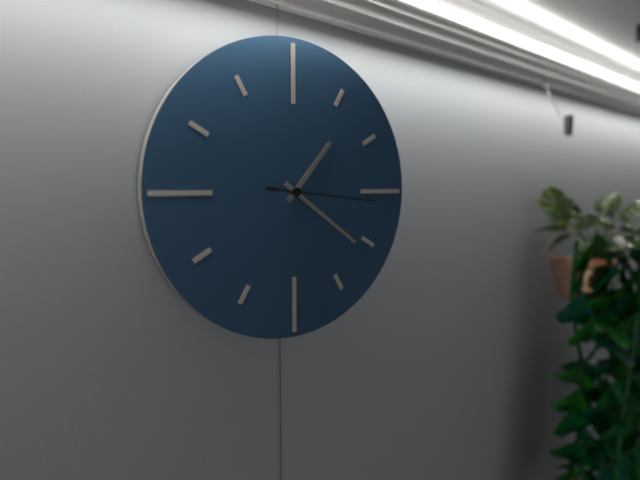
1:21:16
